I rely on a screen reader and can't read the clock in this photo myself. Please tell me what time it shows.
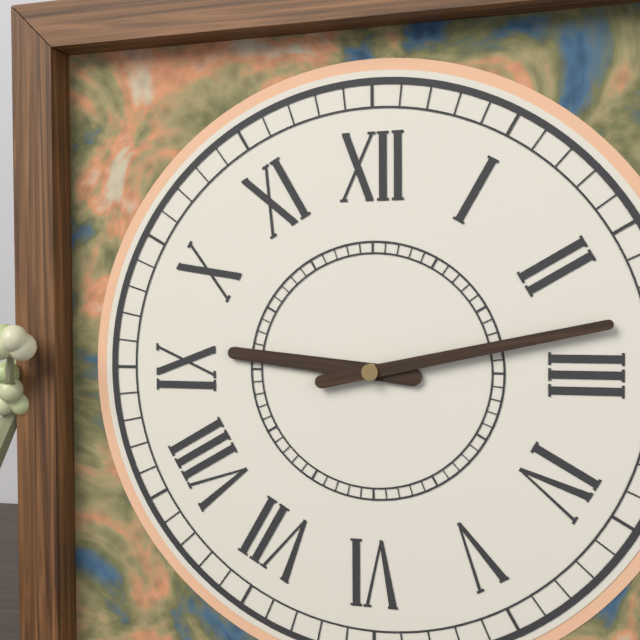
9:13
